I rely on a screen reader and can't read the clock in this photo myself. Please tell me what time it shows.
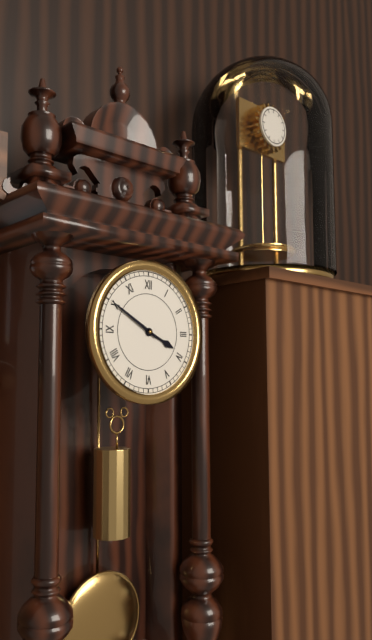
3:50
